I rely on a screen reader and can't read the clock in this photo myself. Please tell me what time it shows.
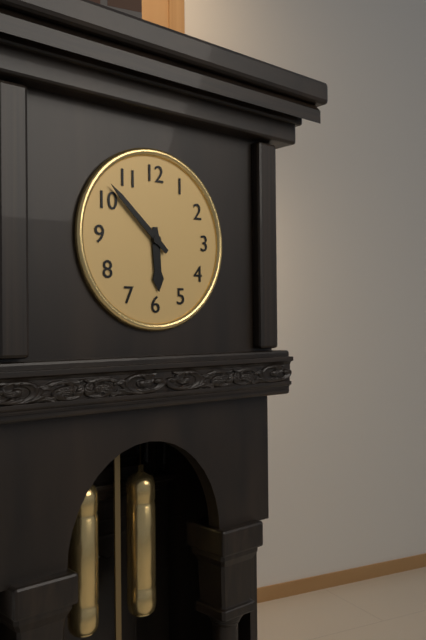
5:52
